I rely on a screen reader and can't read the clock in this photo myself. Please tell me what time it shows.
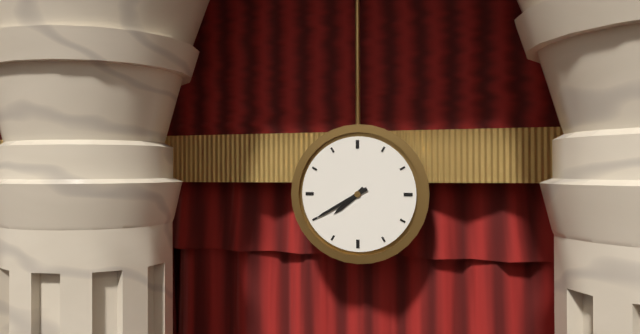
7:40
